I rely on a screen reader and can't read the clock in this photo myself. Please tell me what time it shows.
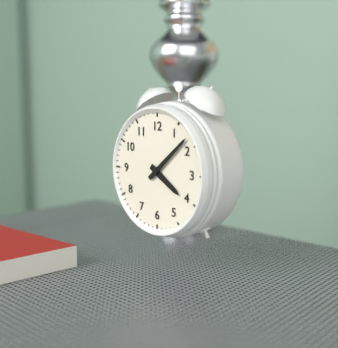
4:08
